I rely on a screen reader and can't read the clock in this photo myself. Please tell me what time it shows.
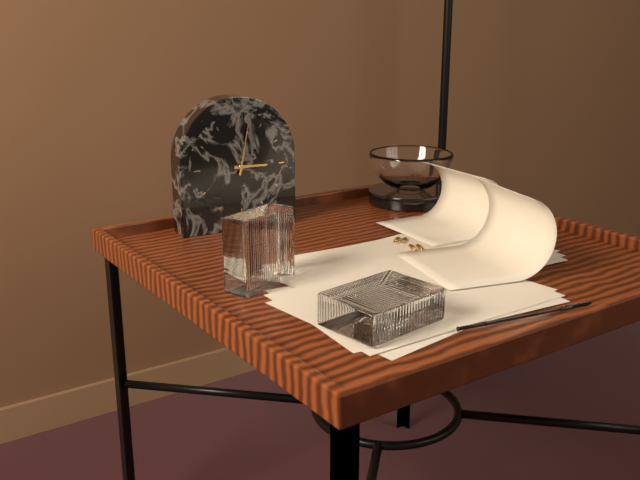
3:02
